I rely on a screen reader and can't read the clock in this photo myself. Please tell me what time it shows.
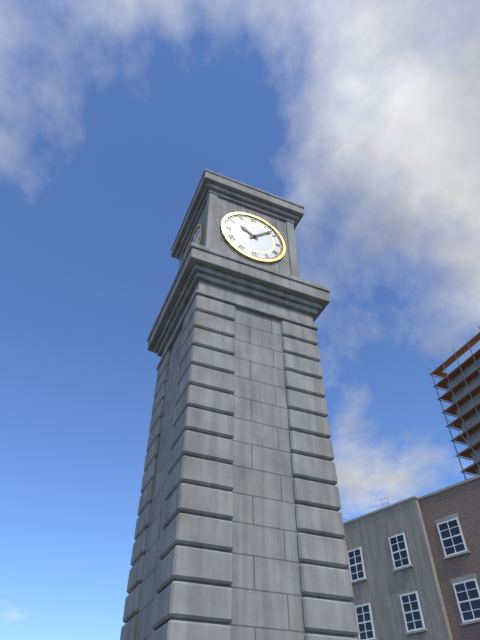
10:08
